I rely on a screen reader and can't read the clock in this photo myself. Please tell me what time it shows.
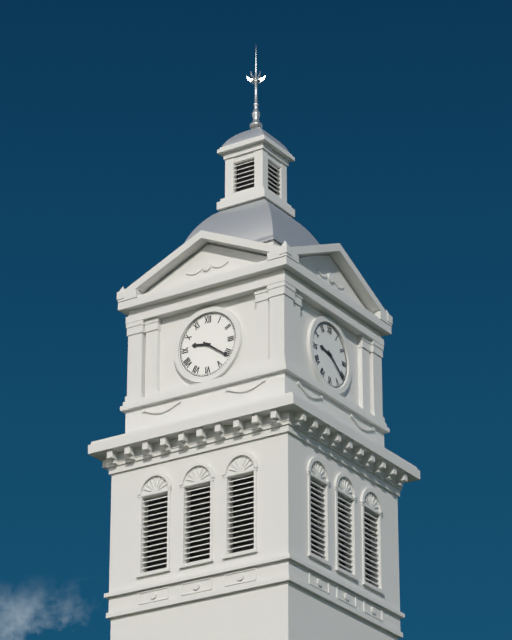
9:21
